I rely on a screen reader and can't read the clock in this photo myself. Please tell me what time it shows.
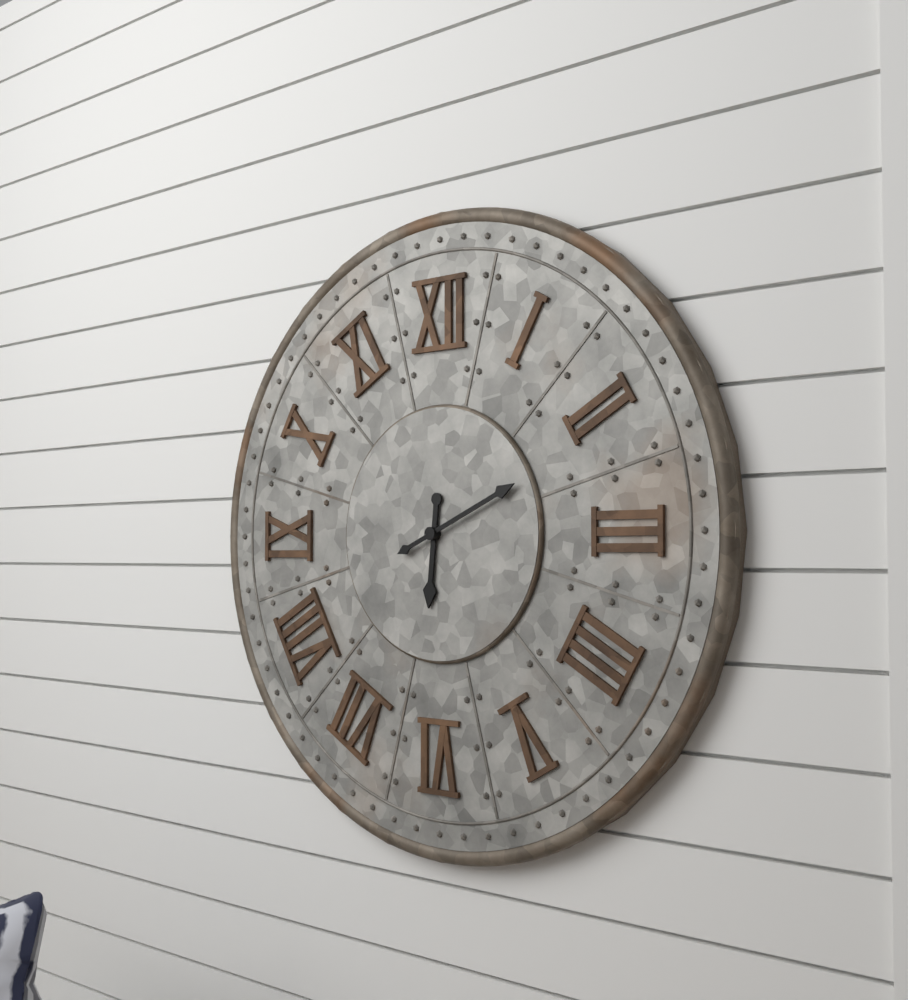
6:11
